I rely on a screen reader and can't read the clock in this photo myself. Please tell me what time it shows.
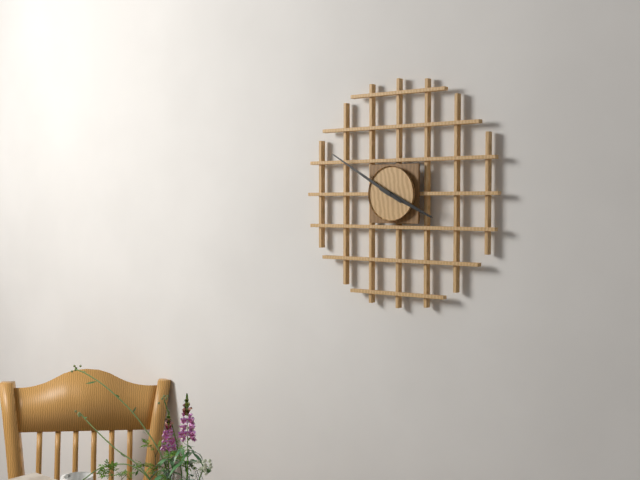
3:50
